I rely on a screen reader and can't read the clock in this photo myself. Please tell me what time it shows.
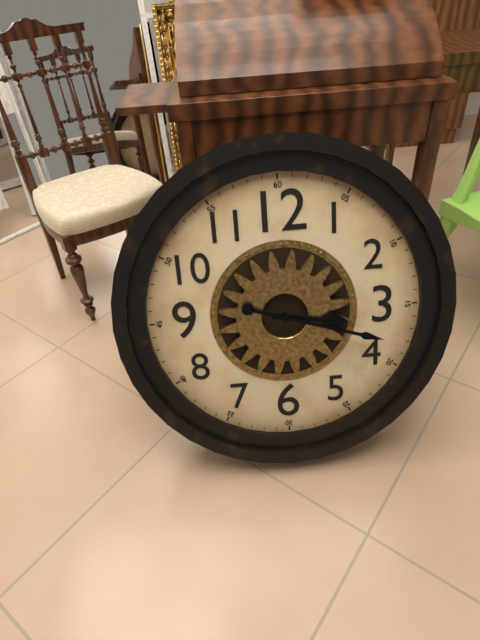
3:18
